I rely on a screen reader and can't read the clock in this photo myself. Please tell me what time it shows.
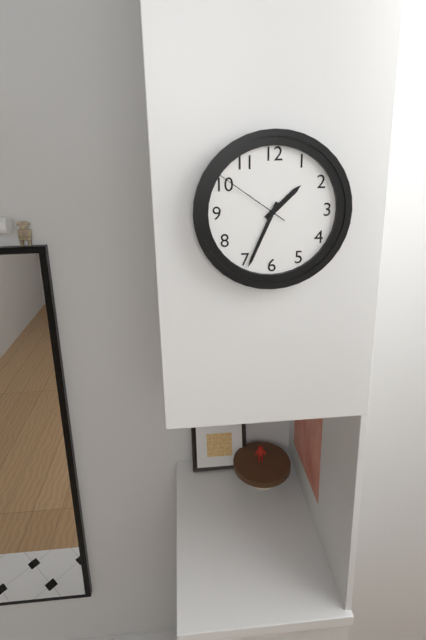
1:34:51
